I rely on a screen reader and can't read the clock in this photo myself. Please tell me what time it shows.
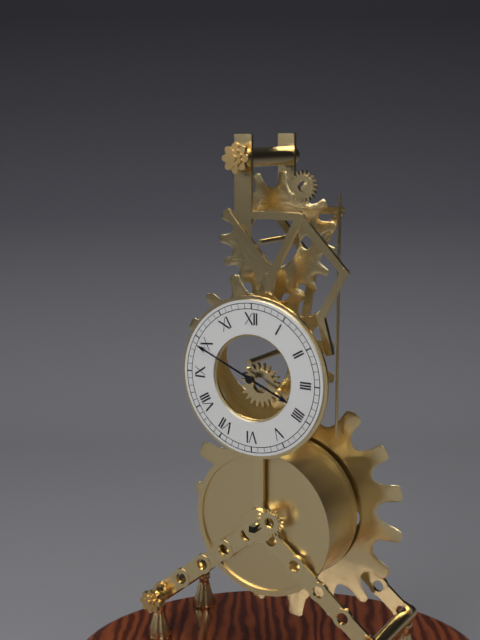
3:49
